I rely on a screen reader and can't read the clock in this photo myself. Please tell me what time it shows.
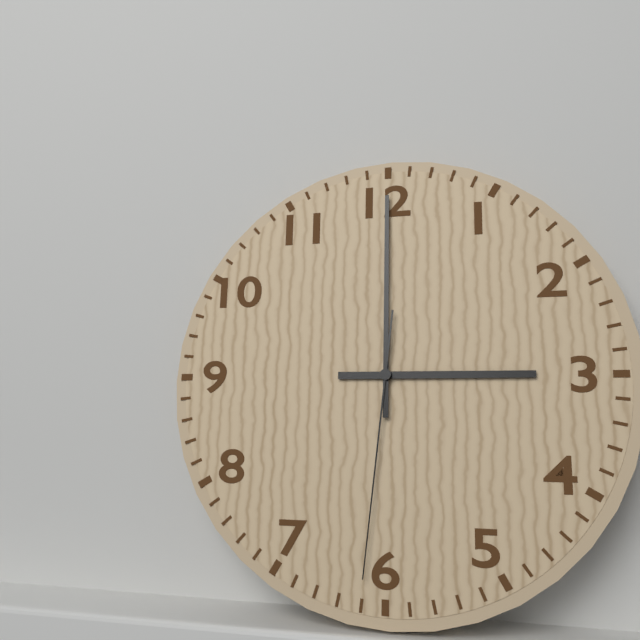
3:00:31
